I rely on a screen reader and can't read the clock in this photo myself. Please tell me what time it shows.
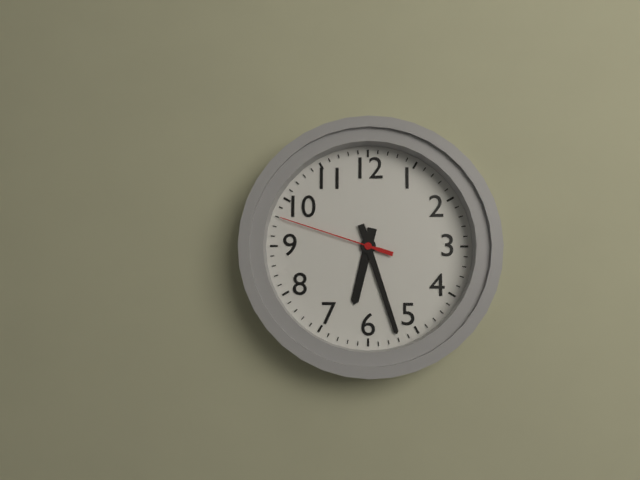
6:27:48
